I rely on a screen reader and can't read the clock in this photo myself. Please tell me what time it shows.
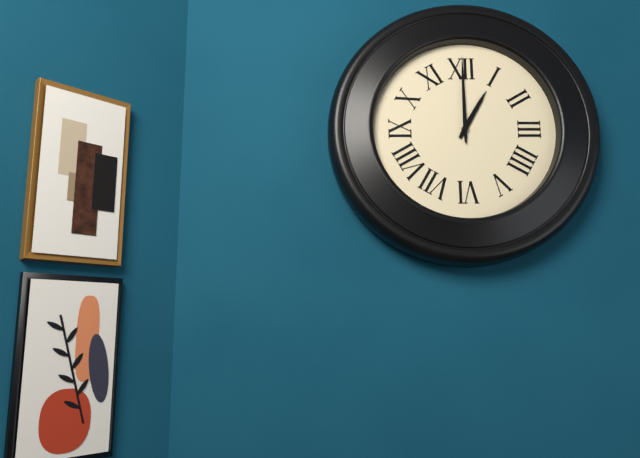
1:00
